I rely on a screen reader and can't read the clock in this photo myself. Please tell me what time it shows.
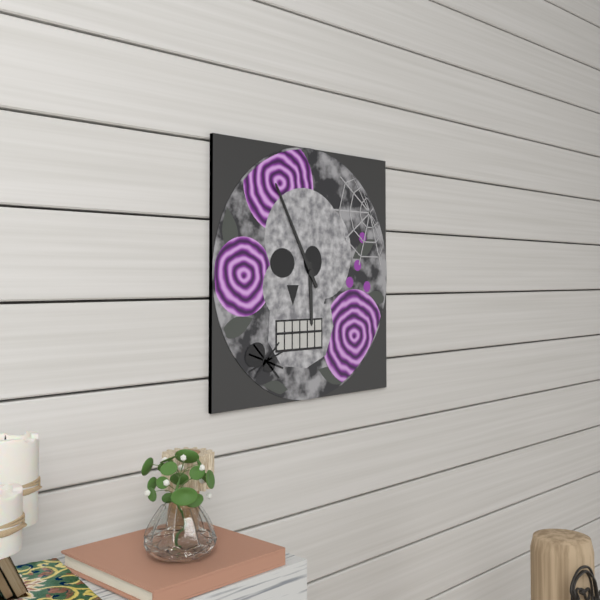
5:55
